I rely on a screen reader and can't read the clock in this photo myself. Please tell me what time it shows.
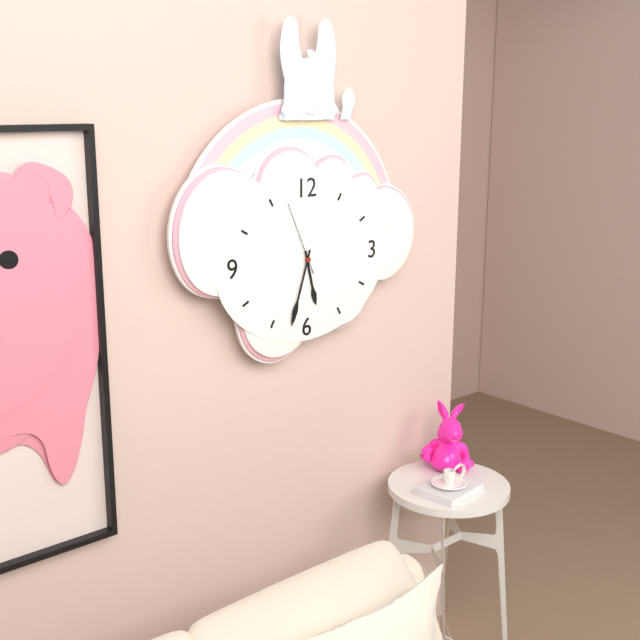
5:33:56
